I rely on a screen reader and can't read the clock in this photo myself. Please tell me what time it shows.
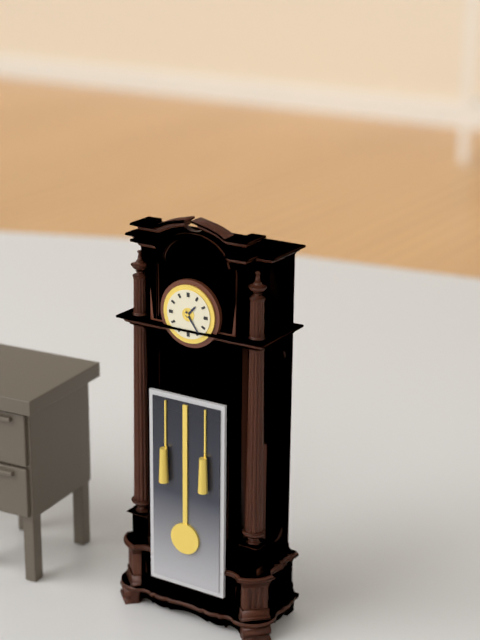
1:24
